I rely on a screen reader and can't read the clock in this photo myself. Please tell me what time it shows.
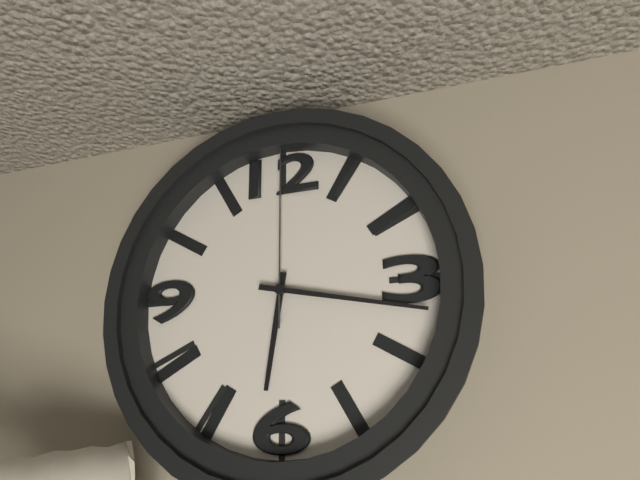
6:17:00
